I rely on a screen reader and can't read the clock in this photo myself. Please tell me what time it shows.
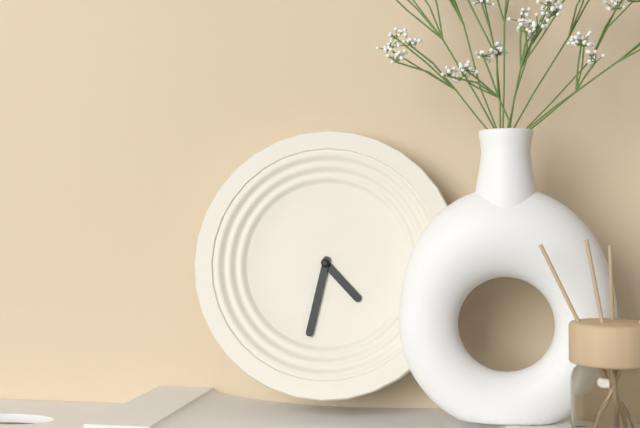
4:32
